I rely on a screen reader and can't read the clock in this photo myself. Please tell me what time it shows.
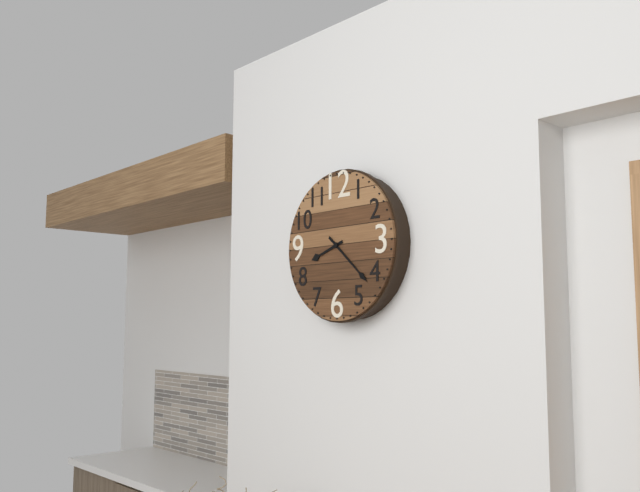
8:22
